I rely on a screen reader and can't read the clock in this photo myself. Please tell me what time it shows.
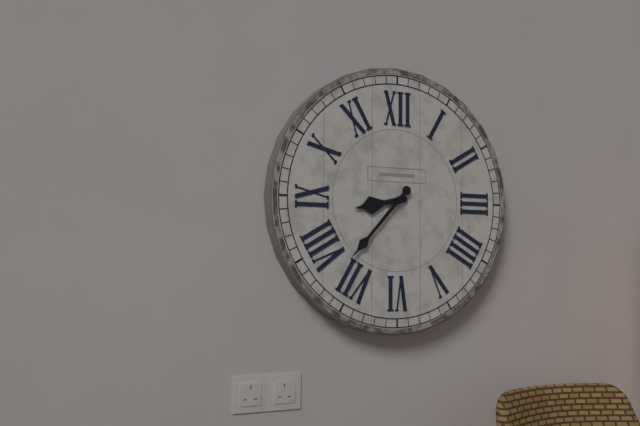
8:37
